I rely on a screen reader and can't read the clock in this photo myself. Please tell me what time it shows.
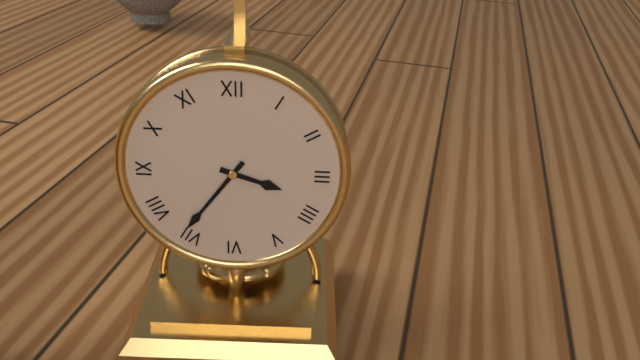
3:36
